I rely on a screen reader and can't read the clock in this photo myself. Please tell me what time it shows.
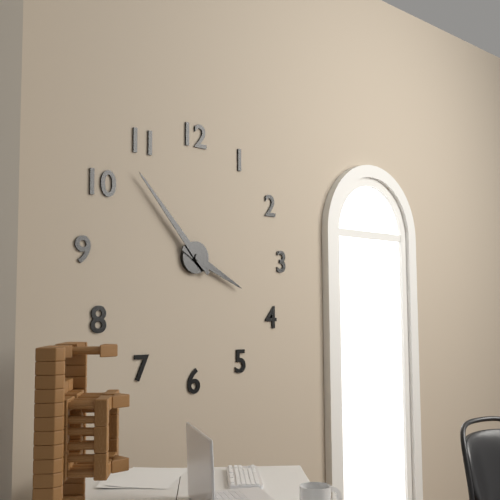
3:53
